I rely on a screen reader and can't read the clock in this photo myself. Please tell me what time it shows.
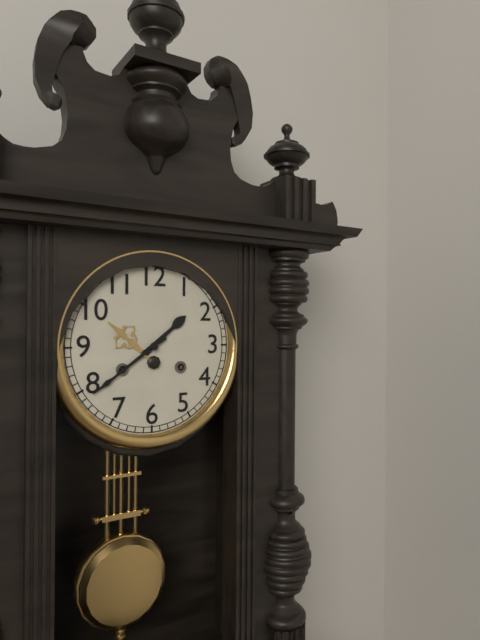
1:39
